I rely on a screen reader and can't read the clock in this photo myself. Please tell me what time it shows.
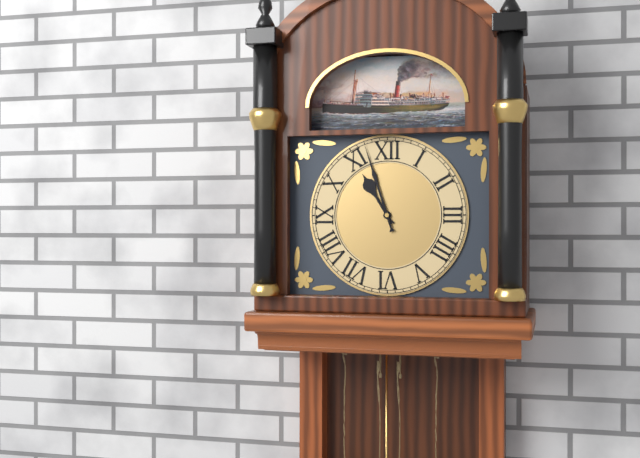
10:57
